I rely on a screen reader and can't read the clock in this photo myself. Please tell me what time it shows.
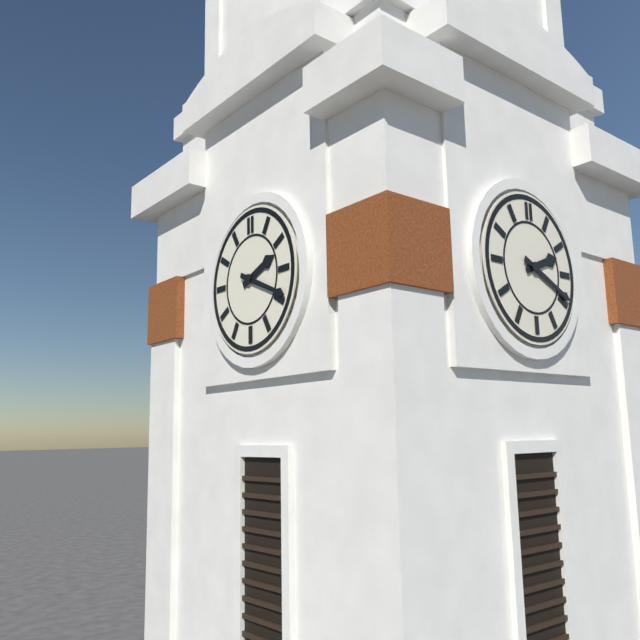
2:19
